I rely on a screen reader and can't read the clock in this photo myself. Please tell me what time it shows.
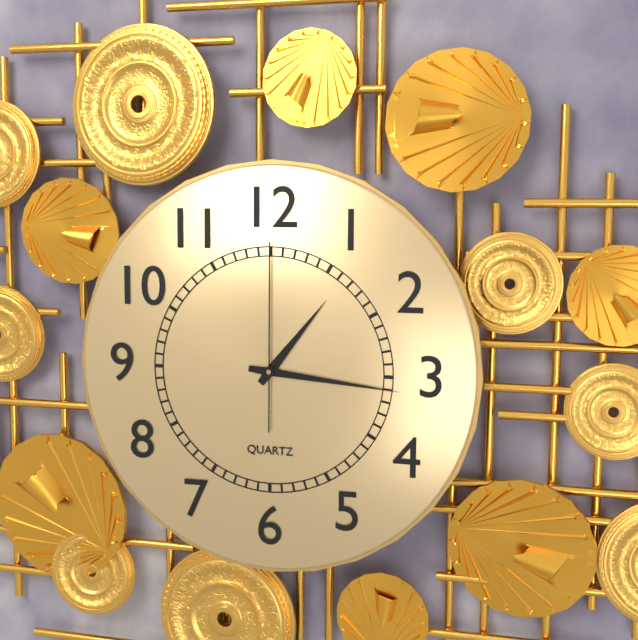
1:16:00
